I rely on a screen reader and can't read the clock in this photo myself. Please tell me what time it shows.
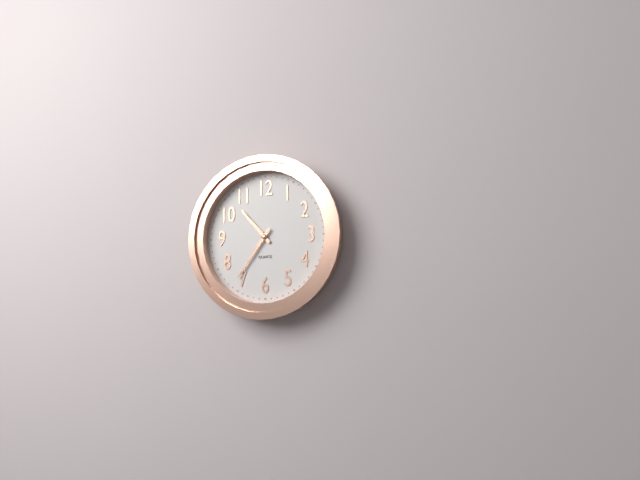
10:36
